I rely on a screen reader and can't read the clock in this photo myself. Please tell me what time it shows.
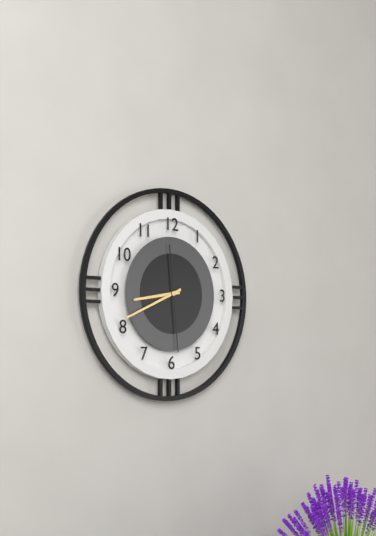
8:41:29
